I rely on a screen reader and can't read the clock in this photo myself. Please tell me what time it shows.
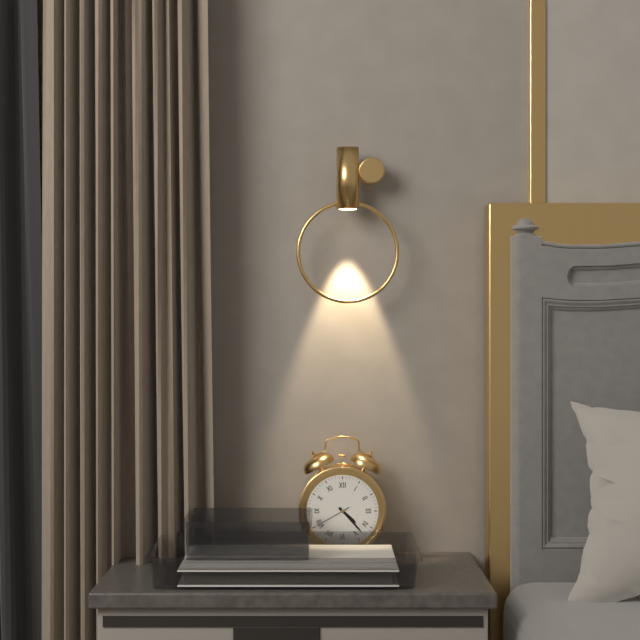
4:23
